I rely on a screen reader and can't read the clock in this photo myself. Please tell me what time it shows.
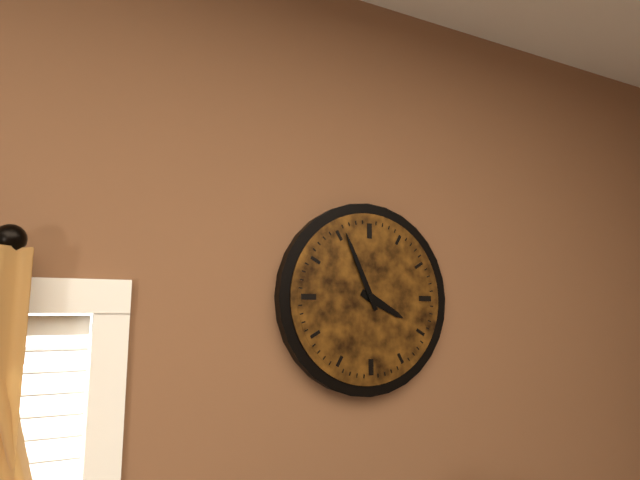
3:56
